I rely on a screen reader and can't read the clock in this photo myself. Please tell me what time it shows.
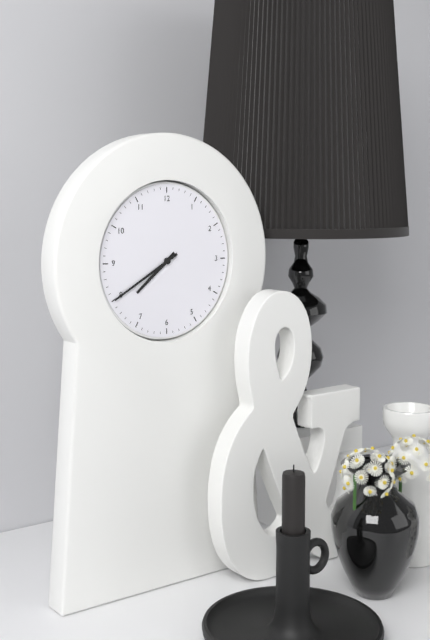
7:40
